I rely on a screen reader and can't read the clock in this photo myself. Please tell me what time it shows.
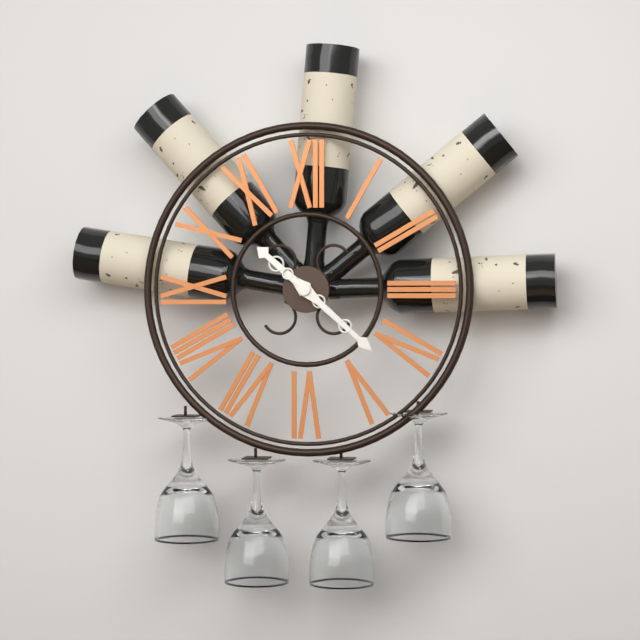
10:22
